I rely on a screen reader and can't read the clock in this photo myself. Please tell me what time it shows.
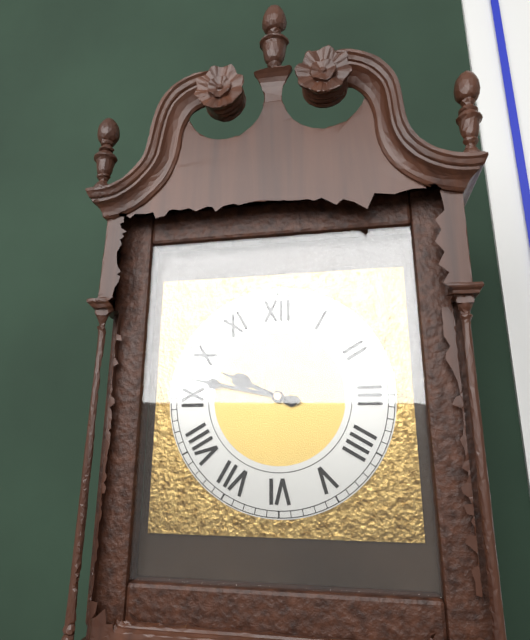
9:47
